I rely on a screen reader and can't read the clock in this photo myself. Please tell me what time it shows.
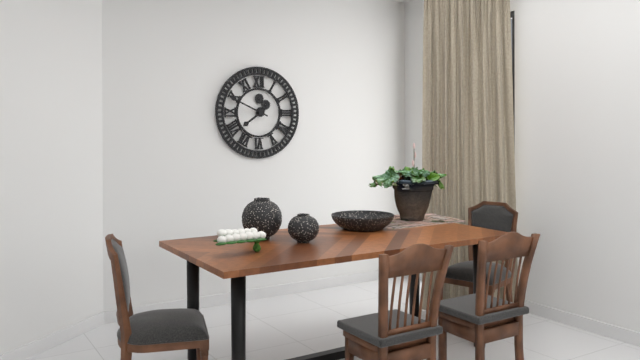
7:49
